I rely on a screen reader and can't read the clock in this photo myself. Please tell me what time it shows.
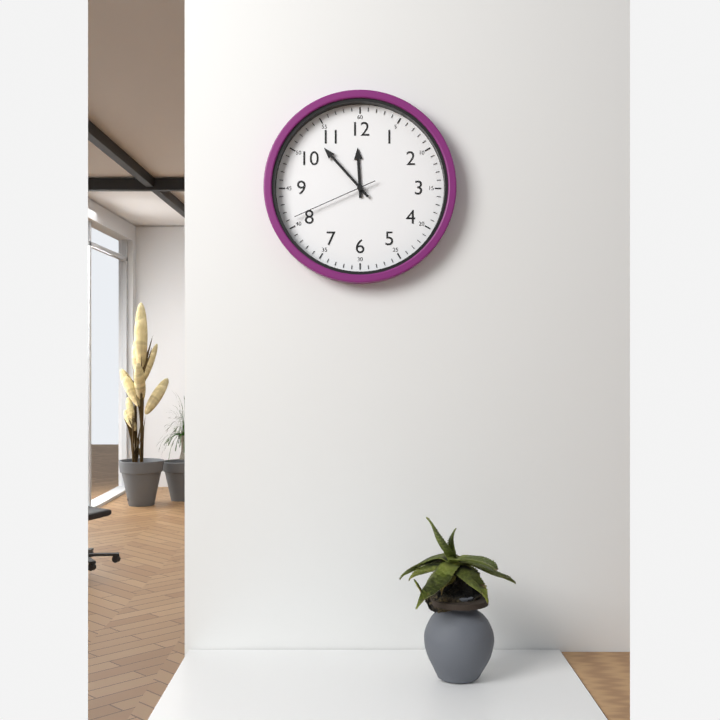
11:53:41
